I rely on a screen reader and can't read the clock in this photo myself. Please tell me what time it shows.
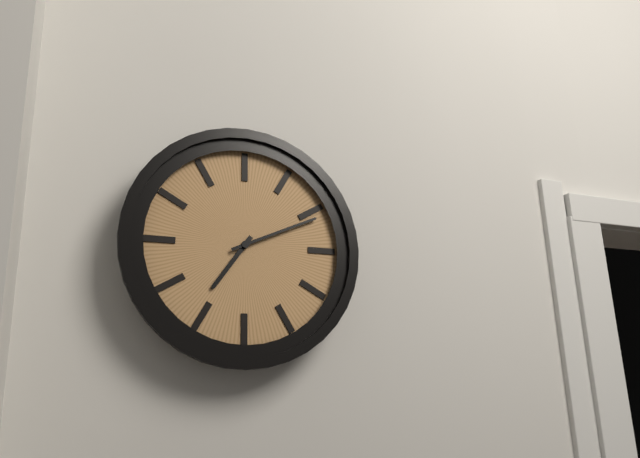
7:11
